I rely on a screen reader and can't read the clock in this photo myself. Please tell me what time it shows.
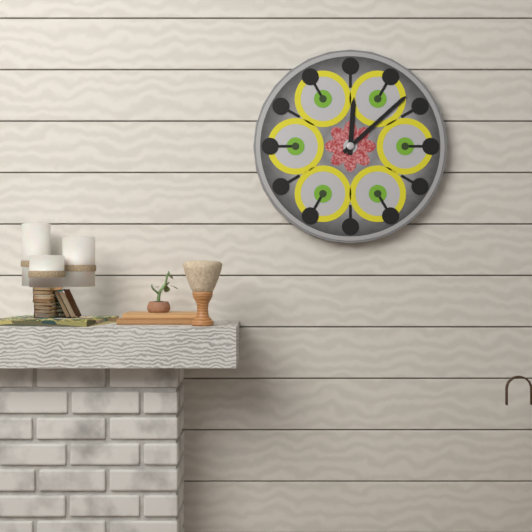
12:08
